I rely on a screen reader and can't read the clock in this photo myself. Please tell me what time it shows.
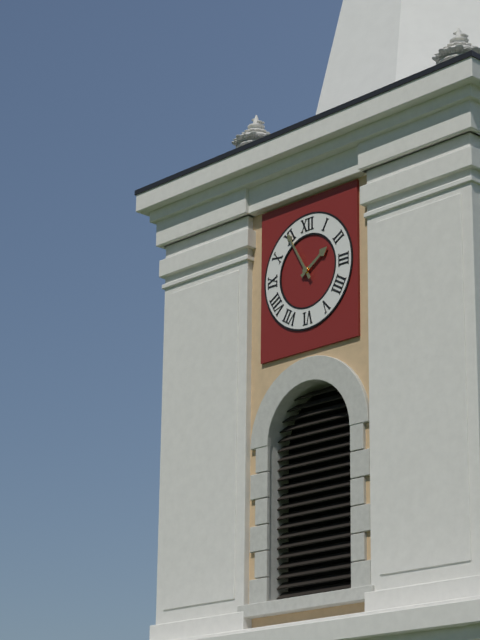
1:55
